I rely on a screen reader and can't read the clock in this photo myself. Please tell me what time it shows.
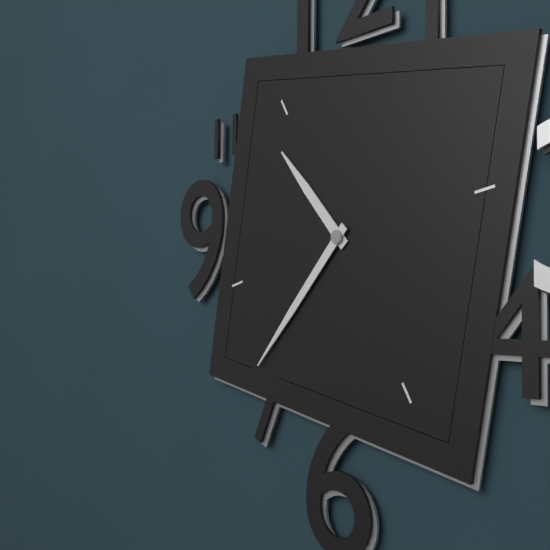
10:37
